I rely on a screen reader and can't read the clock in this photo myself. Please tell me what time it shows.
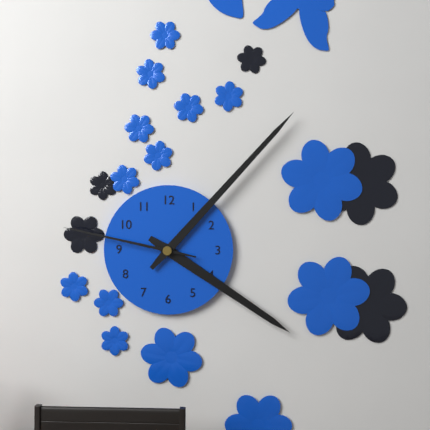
4:07:47
